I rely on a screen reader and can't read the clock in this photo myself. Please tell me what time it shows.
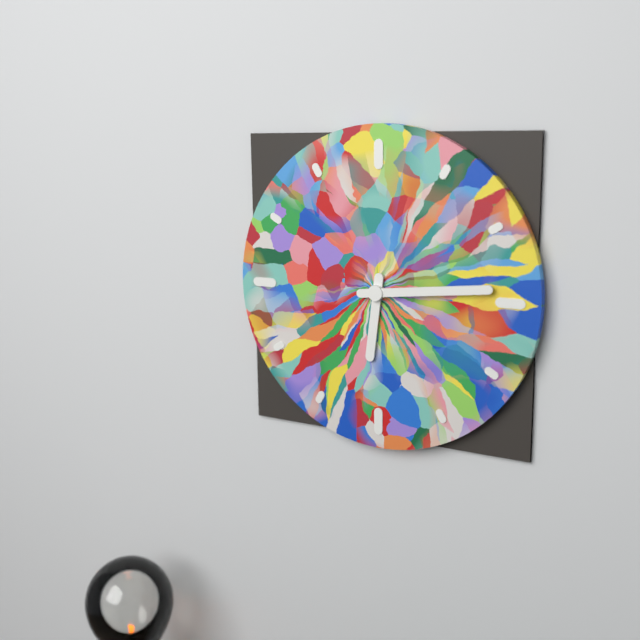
6:14
